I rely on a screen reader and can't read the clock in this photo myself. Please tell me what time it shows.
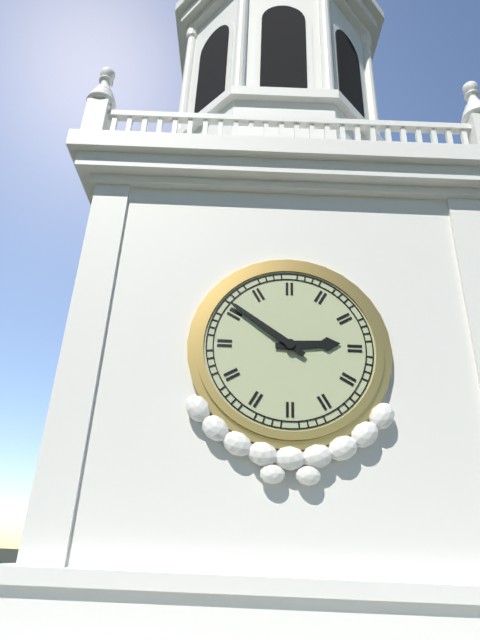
2:51
